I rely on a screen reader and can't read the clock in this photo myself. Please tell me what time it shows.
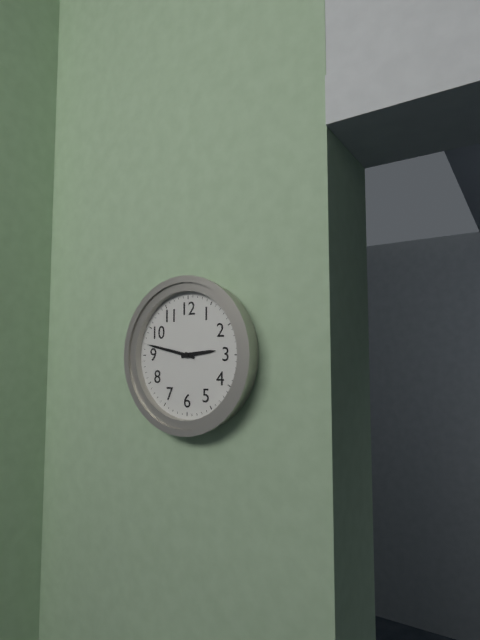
2:47
